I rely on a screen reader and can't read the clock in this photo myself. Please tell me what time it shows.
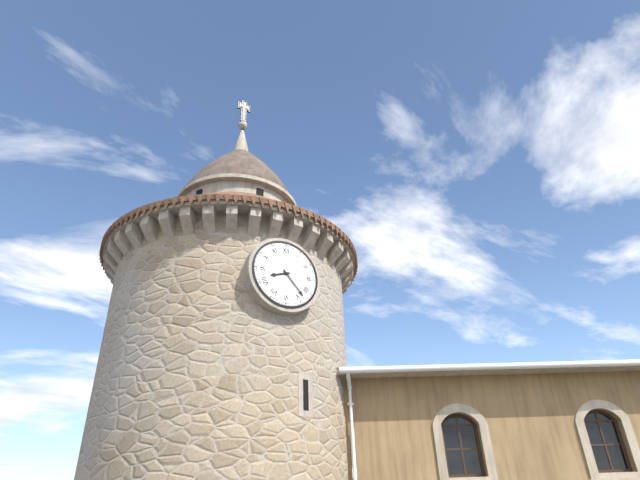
8:23
